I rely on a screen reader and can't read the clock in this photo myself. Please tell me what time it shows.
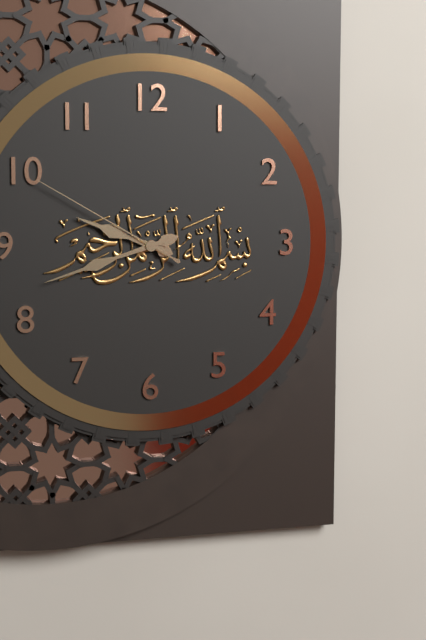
9:42:50
